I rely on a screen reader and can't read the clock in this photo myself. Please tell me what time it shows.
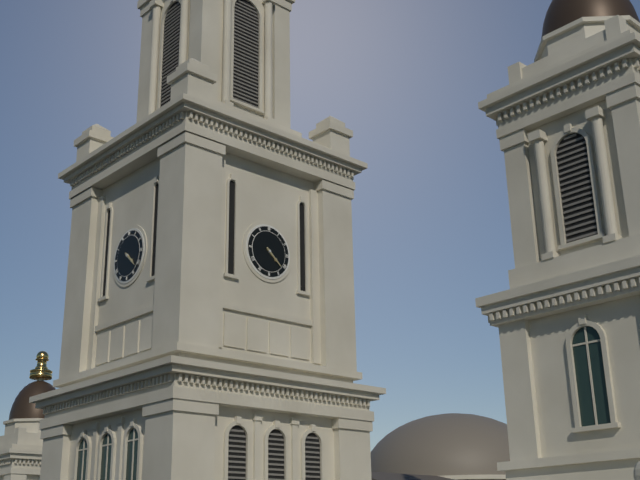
4:22
